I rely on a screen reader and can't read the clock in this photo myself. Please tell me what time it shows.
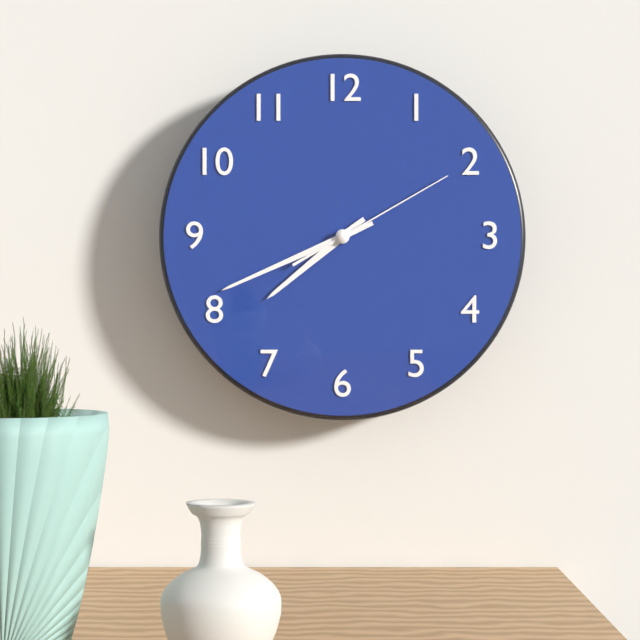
7:41:10
